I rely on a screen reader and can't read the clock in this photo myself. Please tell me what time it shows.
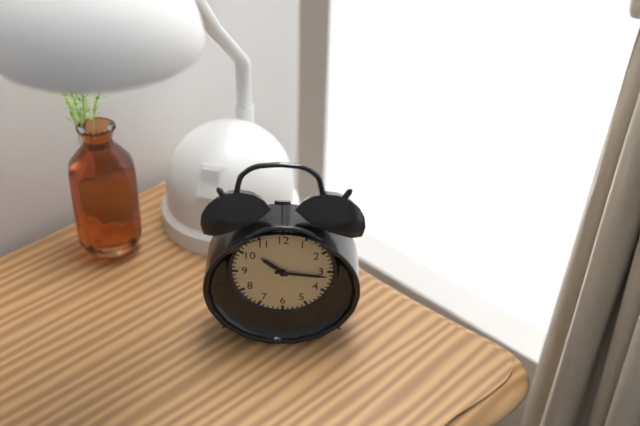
10:16
